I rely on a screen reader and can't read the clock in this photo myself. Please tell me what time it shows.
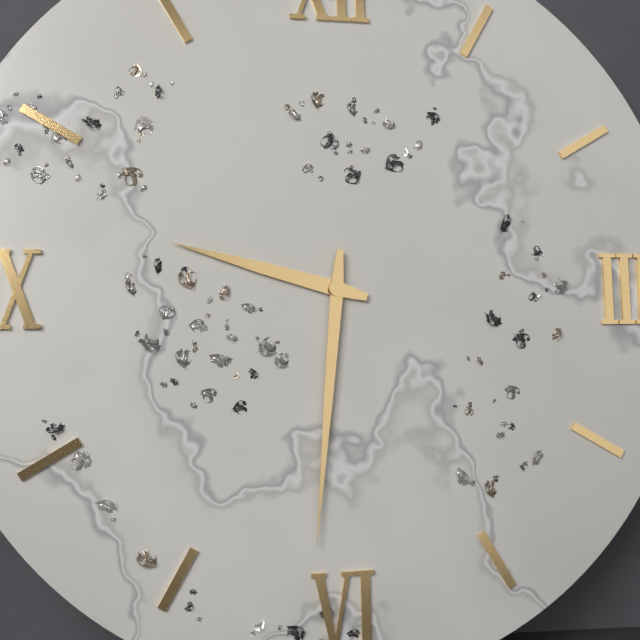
9:31
